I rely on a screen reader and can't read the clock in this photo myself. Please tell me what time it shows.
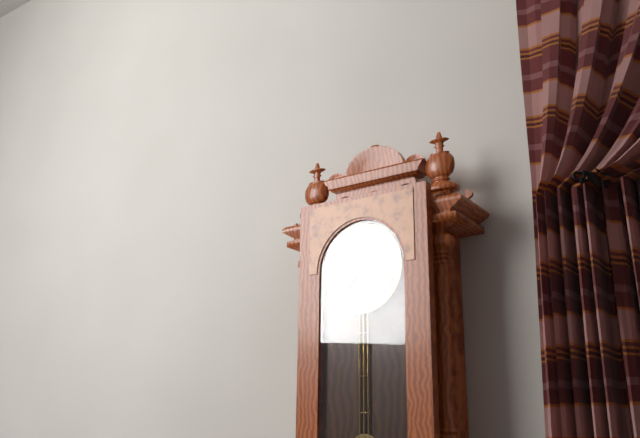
9:37
